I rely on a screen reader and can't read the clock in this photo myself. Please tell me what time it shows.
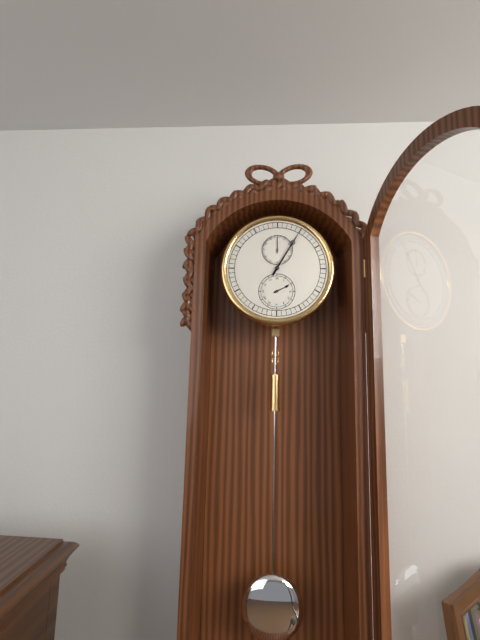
2:05
